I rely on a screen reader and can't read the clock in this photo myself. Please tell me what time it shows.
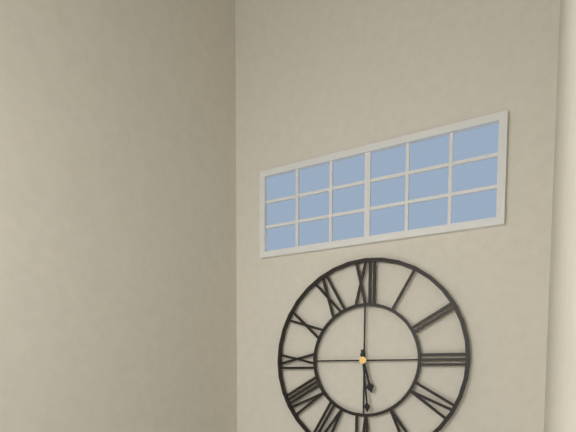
5:29
